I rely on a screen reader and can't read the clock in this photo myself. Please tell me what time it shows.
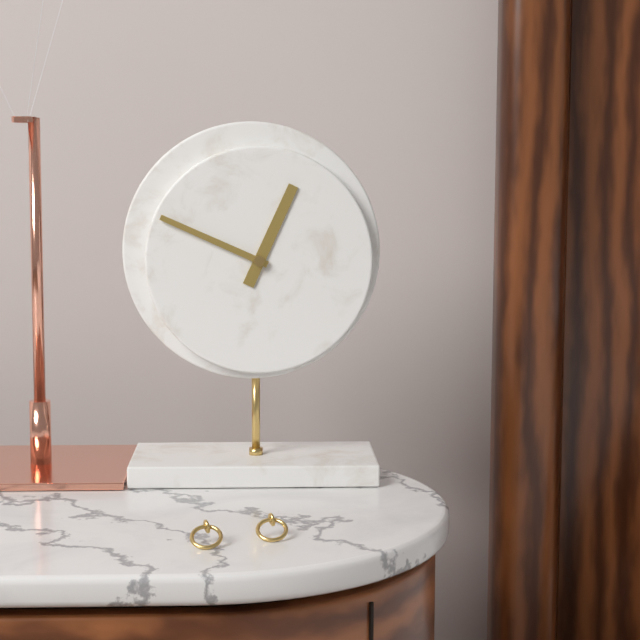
12:49
